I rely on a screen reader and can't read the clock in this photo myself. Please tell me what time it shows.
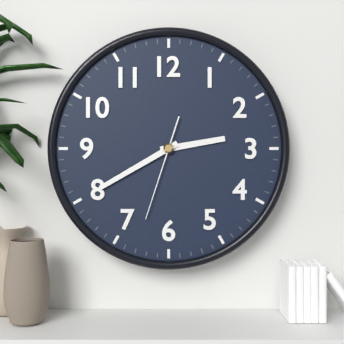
2:40:33
